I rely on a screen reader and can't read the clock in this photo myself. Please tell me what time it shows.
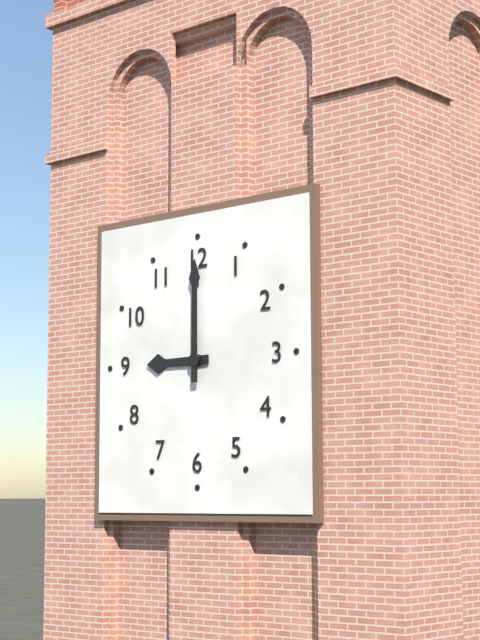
9:00
